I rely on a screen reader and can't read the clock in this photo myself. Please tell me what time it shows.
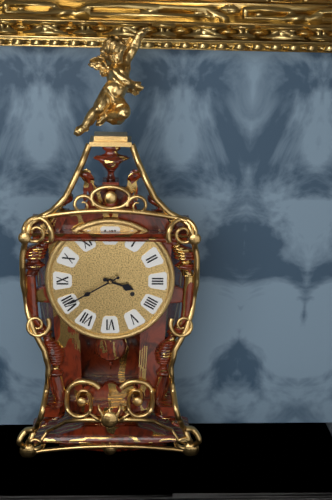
3:40
